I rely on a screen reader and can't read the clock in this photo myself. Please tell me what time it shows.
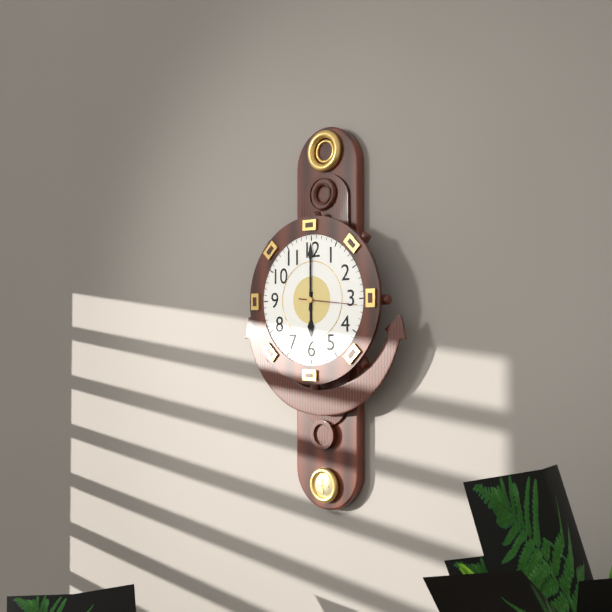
6:00:16
